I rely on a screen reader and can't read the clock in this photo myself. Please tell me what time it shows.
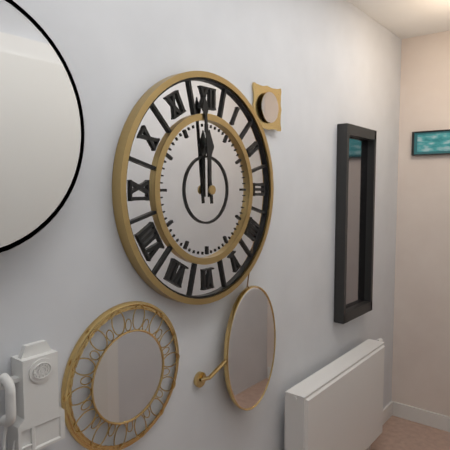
11:59
